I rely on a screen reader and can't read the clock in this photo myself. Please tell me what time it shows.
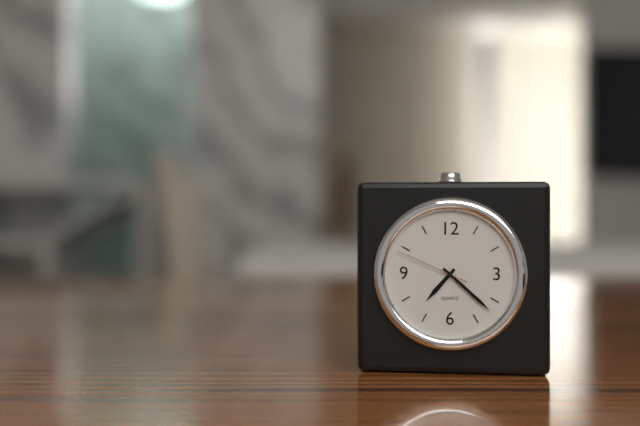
7:22:49
